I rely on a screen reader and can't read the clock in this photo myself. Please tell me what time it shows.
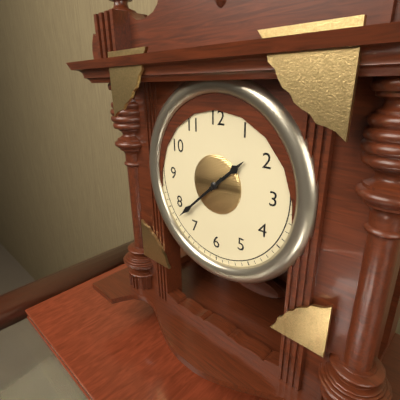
1:38
